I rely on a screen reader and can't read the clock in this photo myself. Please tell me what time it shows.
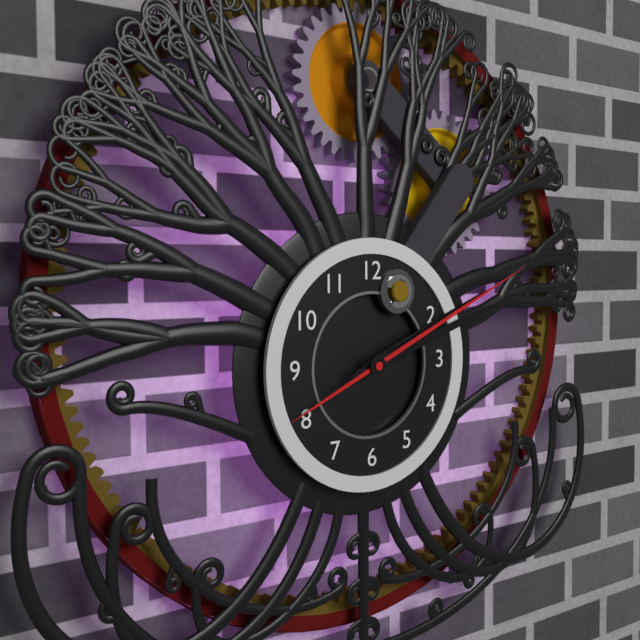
2:12:11
